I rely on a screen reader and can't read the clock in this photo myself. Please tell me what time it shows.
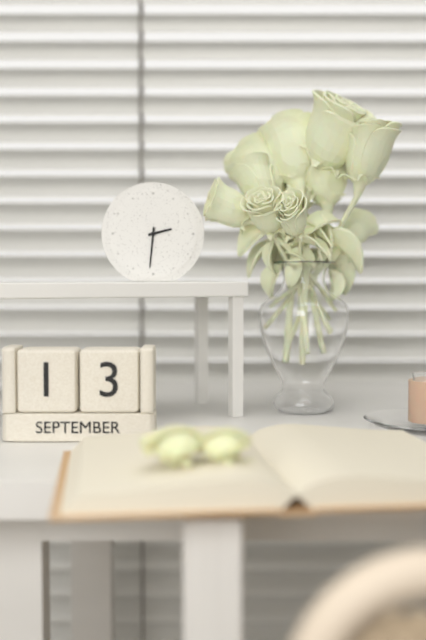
2:31
